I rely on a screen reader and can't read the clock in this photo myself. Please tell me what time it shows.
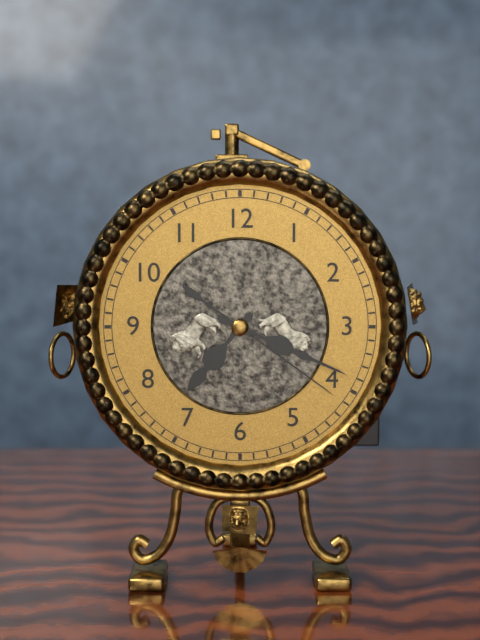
7:19:21
